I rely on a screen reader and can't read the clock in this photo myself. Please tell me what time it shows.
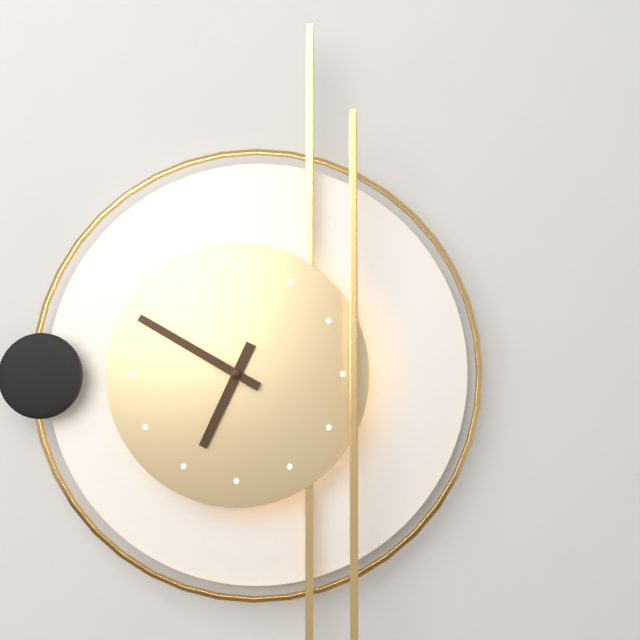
6:50
